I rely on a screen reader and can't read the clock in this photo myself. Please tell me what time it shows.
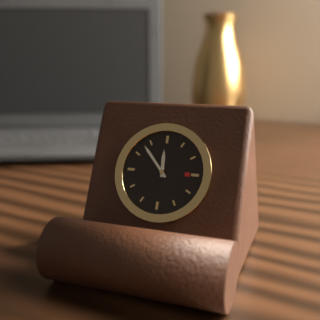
11:53
